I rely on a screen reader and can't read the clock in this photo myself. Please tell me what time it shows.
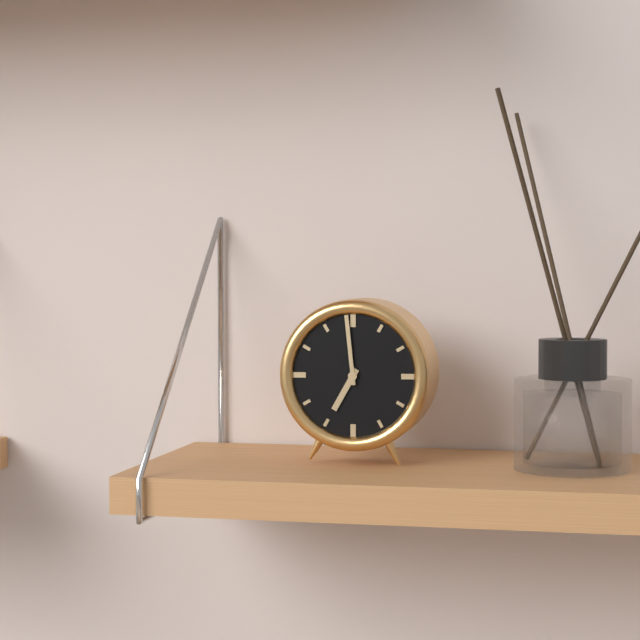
6:59
